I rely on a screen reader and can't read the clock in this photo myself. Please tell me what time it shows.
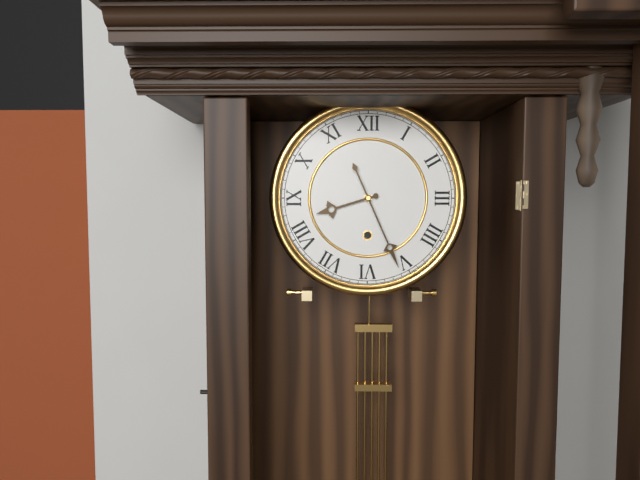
8:26
